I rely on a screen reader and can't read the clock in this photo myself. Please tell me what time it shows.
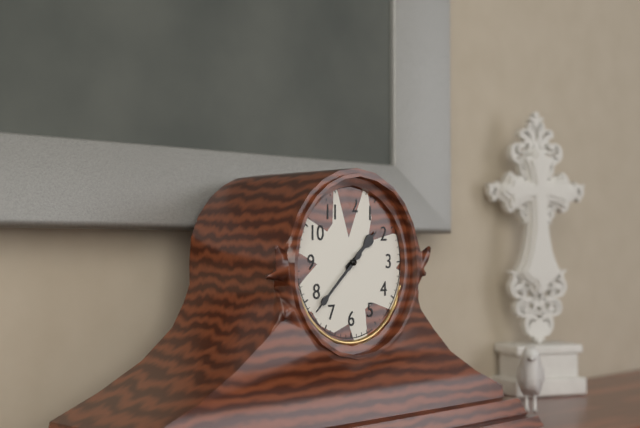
1:38
